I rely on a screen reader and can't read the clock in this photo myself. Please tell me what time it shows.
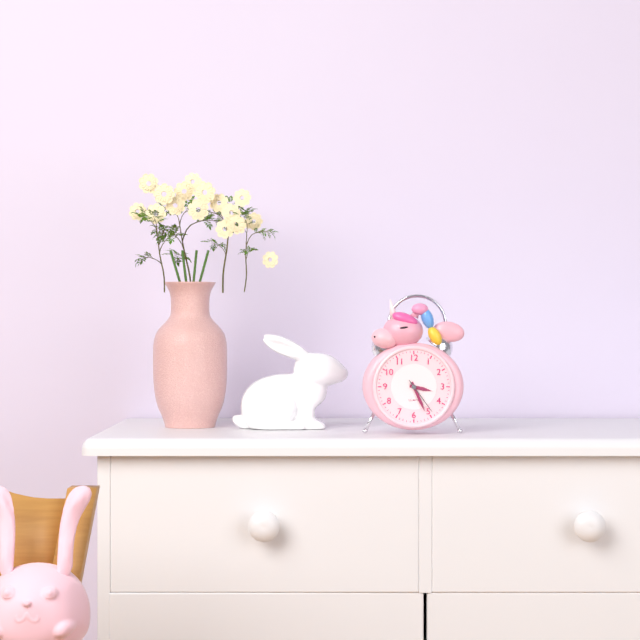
3:26
